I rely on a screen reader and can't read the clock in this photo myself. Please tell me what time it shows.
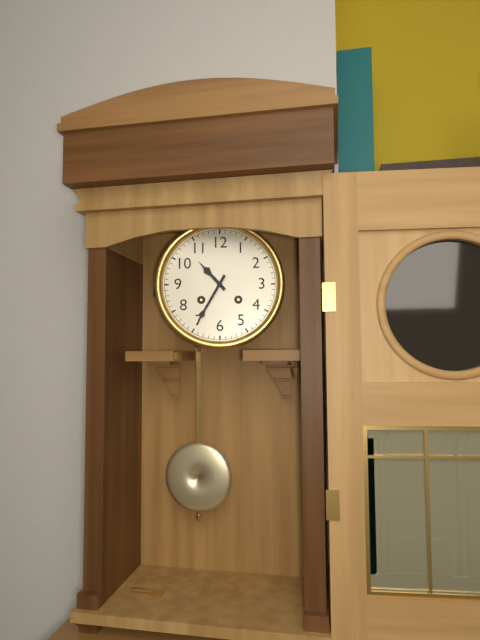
10:35
